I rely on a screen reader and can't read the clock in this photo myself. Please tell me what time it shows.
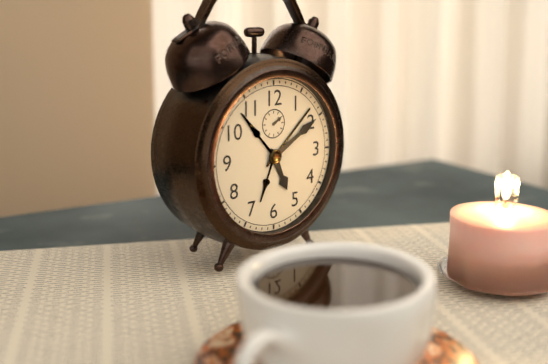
5:10
